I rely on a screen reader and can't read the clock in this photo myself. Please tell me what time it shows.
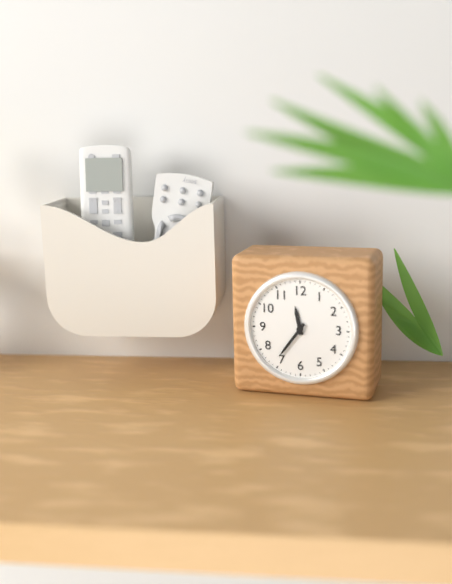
11:36
